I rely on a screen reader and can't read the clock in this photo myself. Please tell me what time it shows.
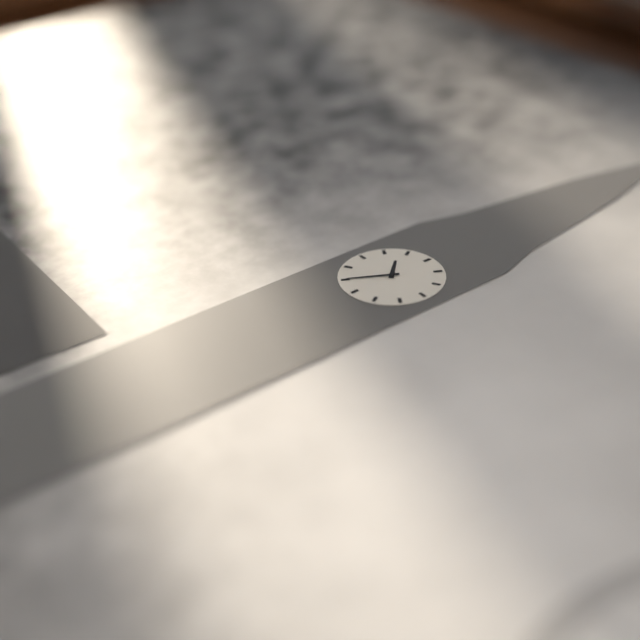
10:35
